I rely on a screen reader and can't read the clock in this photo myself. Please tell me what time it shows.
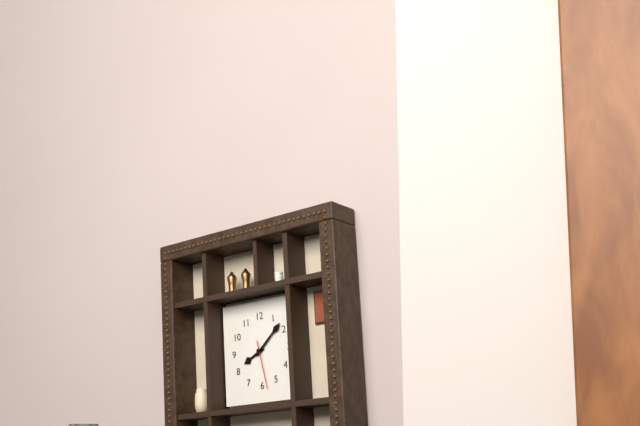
8:08
